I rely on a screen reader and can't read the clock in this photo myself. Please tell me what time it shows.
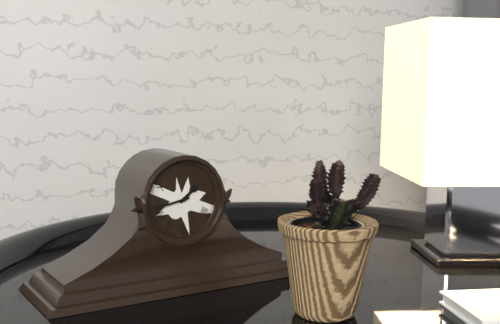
1:43
